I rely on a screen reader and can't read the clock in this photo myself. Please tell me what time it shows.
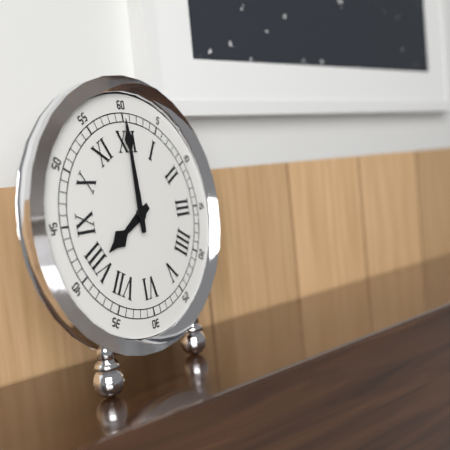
8:00
